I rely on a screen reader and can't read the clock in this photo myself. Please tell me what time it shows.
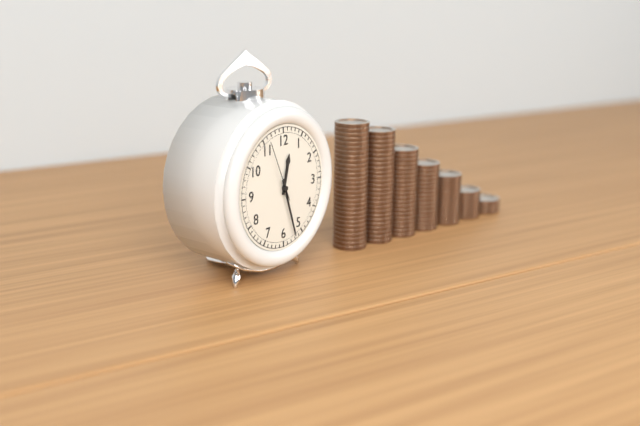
12:27:56
